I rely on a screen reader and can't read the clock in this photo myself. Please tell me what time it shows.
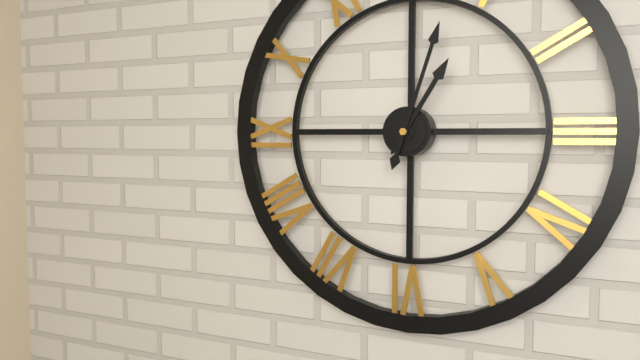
1:03
